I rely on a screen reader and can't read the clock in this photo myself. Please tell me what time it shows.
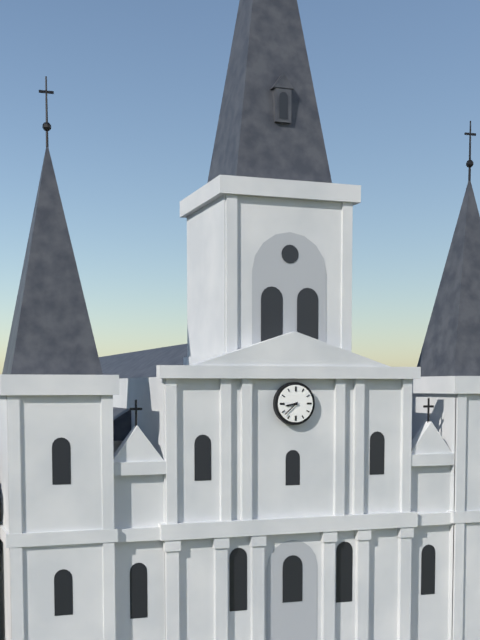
8:38
